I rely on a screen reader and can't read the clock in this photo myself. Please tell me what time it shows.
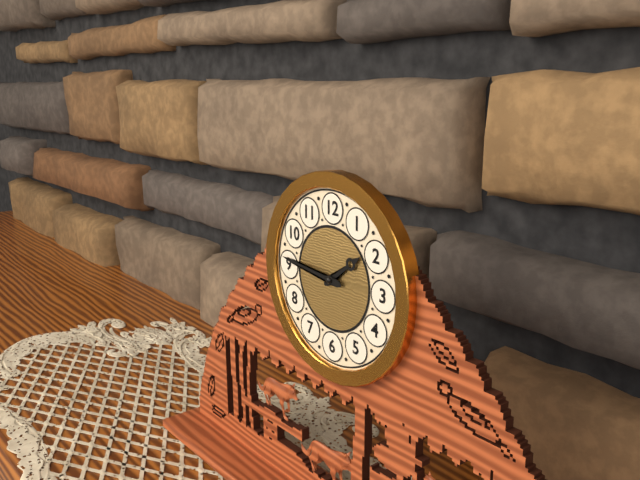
1:46
